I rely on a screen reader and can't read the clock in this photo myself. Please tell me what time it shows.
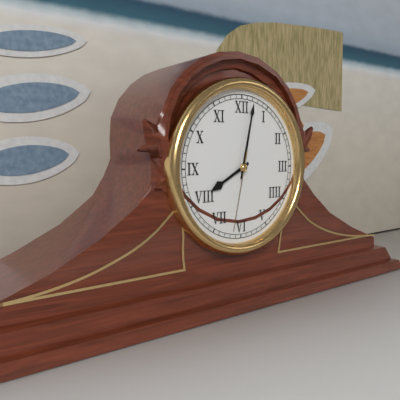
8:02:32
